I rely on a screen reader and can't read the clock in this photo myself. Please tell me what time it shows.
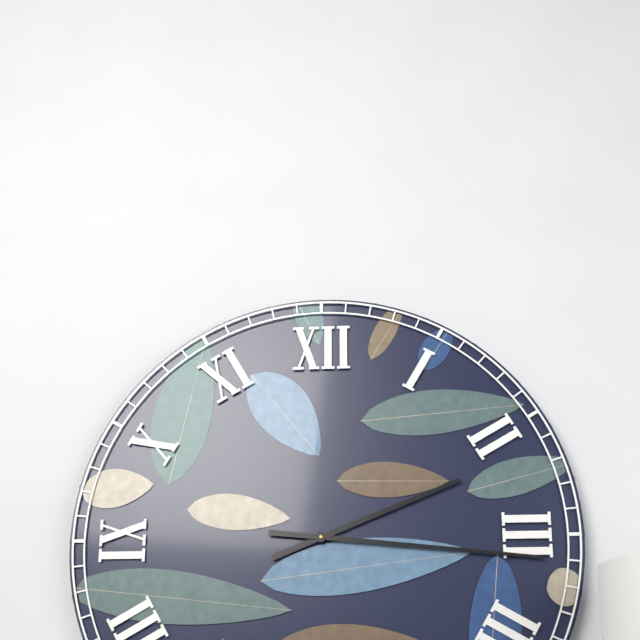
2:16
